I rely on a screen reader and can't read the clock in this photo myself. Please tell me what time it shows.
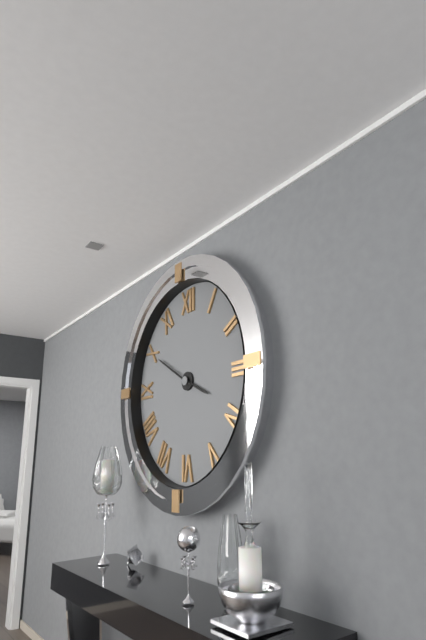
3:50
